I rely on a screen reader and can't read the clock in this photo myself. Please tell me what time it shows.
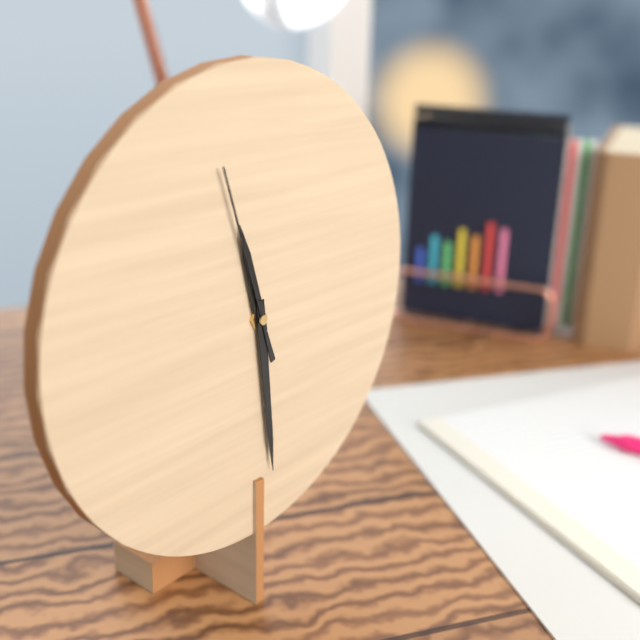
11:29:57
